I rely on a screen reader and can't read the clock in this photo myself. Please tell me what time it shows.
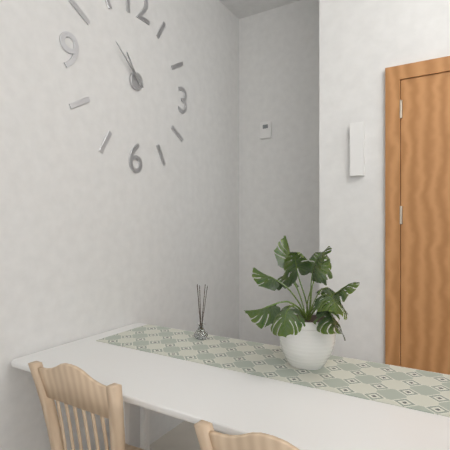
10:52
